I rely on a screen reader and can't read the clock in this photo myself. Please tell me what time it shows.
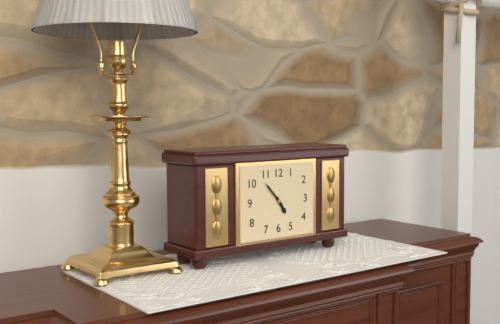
4:53
